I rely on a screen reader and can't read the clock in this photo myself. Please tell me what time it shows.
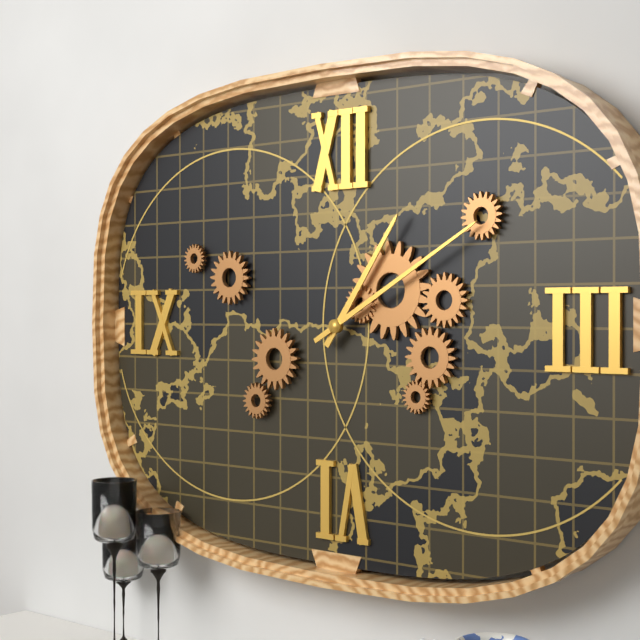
1:10
